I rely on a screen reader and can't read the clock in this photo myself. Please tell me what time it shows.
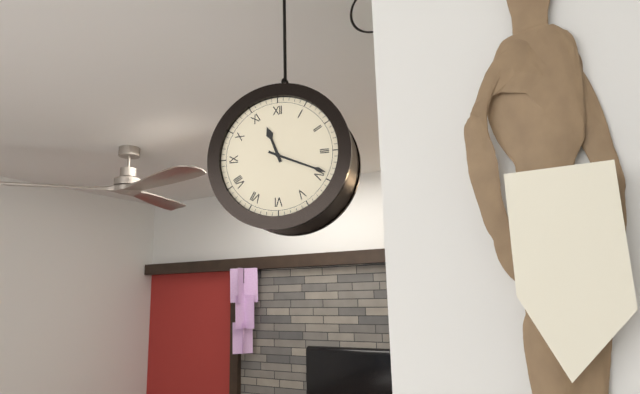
11:19
